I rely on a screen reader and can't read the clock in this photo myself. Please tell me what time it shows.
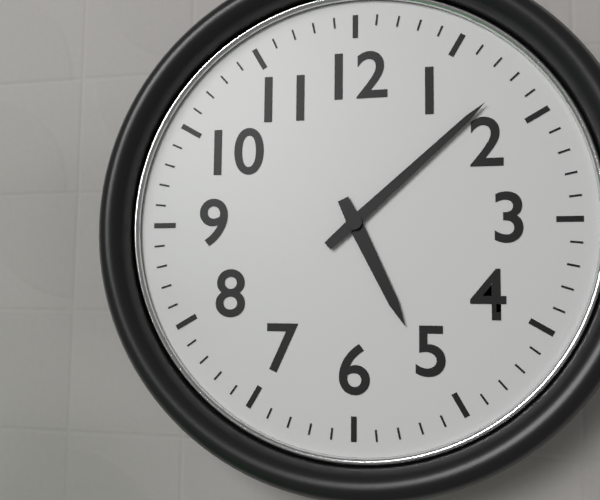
5:08
